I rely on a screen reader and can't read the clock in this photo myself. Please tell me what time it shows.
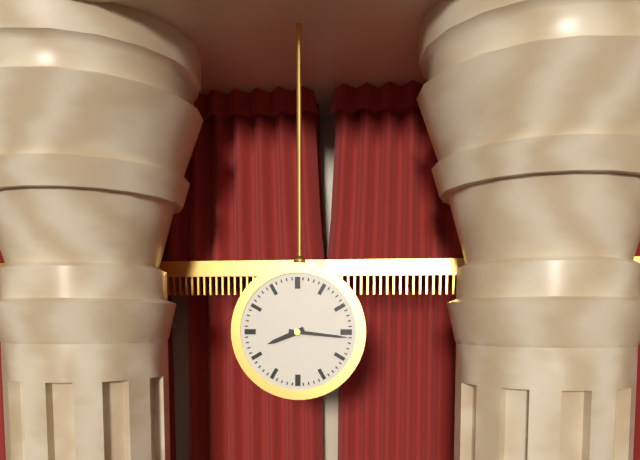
8:16
